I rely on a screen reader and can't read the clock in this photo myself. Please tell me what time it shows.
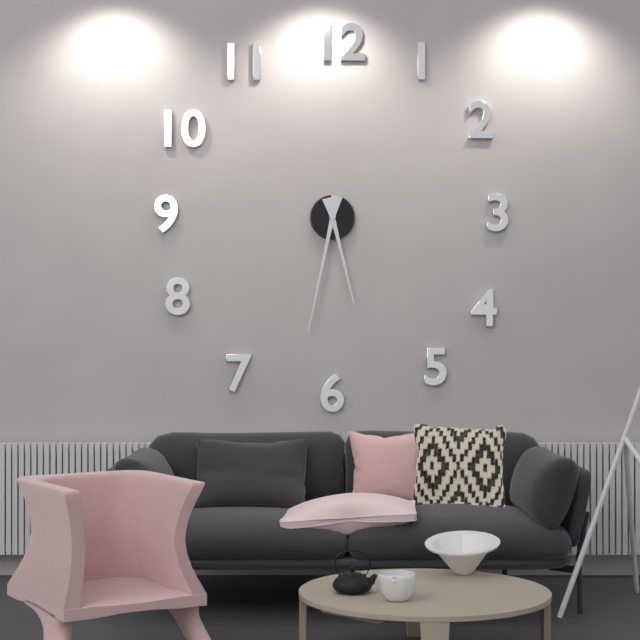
5:32
